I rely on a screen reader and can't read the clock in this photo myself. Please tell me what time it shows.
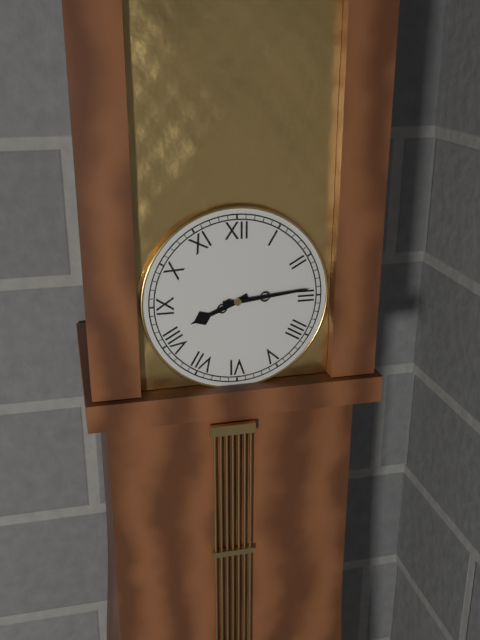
8:14
